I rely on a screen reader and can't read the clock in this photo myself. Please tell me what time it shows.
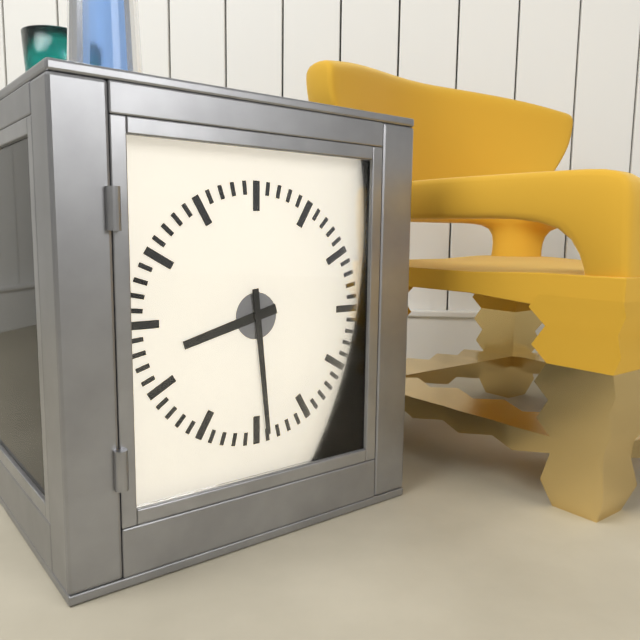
8:29
